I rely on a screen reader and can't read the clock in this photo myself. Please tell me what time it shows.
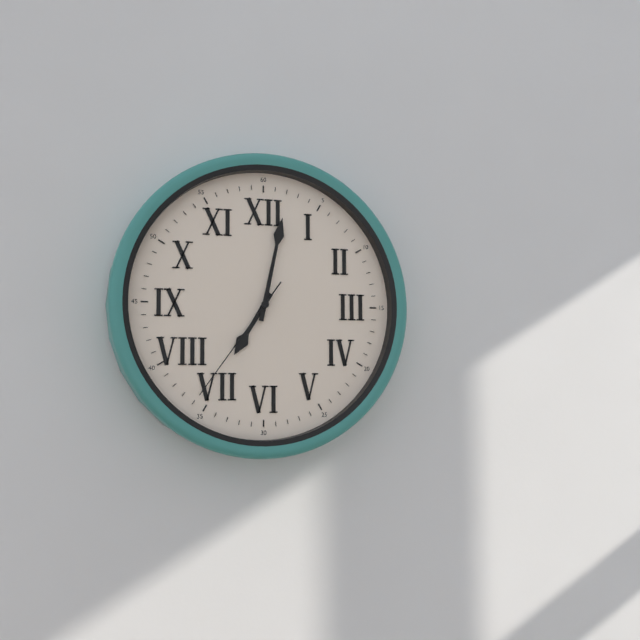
7:02:36
